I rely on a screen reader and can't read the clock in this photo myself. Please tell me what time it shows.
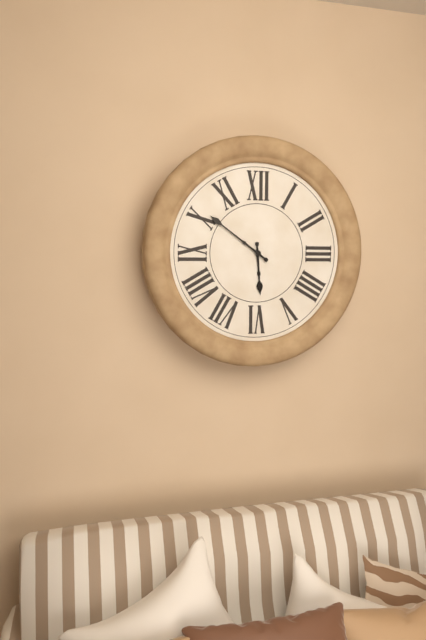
5:51
